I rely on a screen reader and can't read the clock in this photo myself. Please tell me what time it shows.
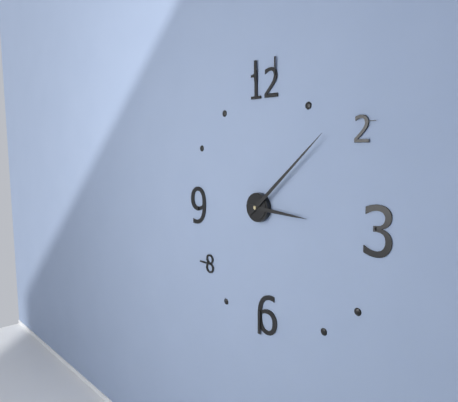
3:08
